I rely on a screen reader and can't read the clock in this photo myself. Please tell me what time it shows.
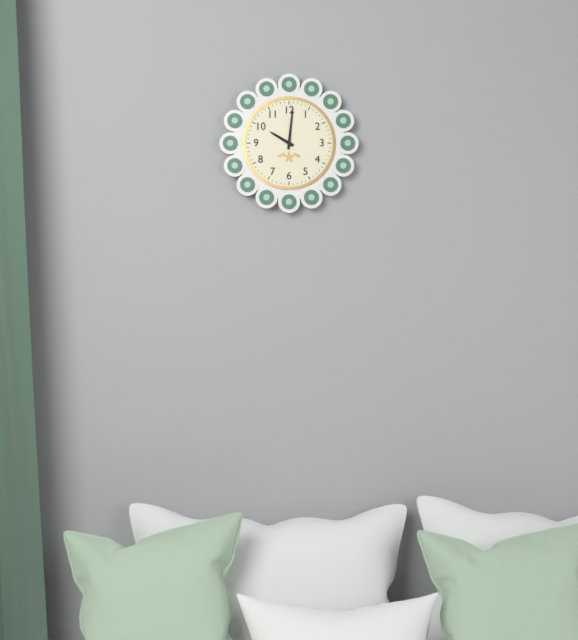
10:01
